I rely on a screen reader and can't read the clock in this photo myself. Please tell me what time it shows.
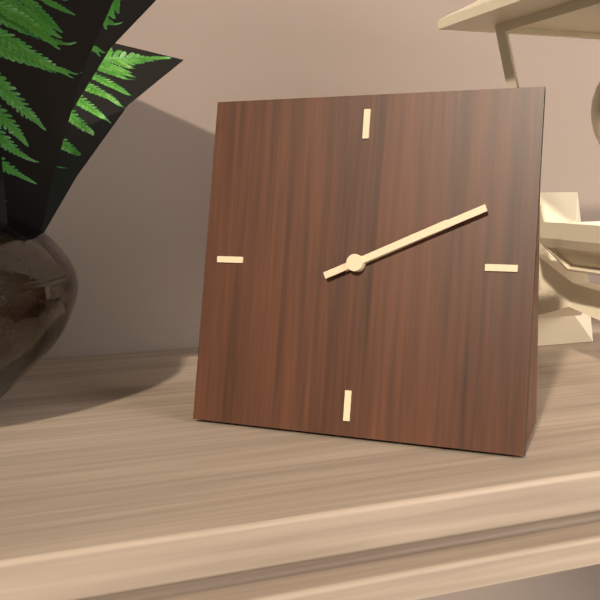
2:11
